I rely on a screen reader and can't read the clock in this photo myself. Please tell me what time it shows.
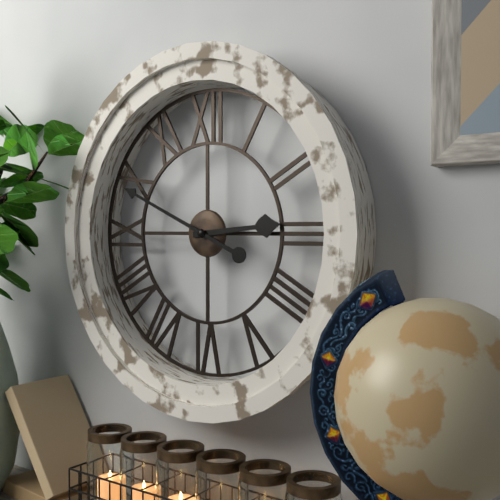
2:49
